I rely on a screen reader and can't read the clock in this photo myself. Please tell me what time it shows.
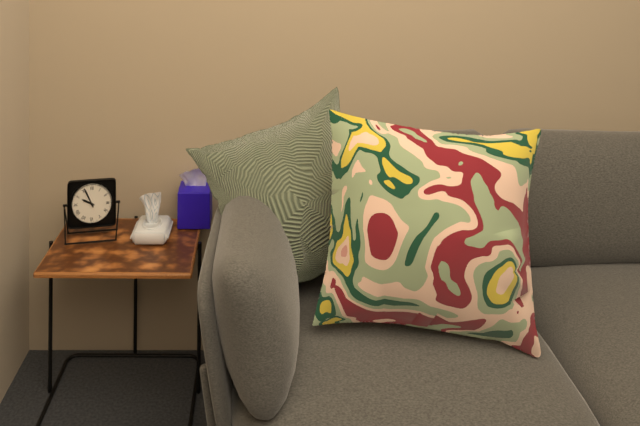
9:56
